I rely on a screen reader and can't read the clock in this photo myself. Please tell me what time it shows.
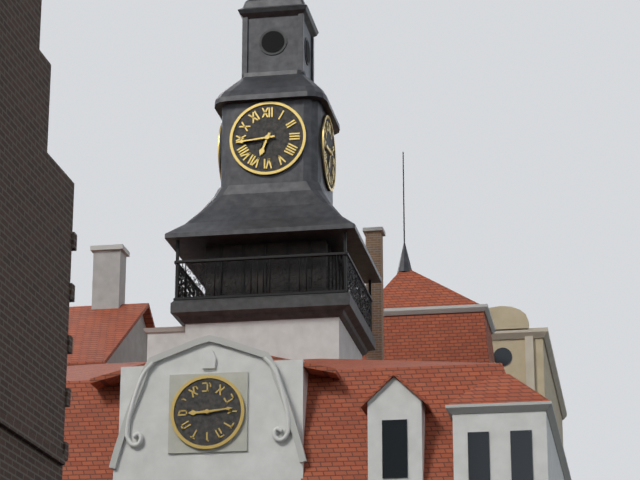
6:44
